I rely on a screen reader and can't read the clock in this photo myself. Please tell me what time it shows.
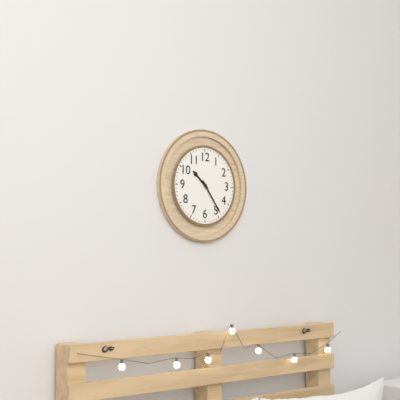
10:24
